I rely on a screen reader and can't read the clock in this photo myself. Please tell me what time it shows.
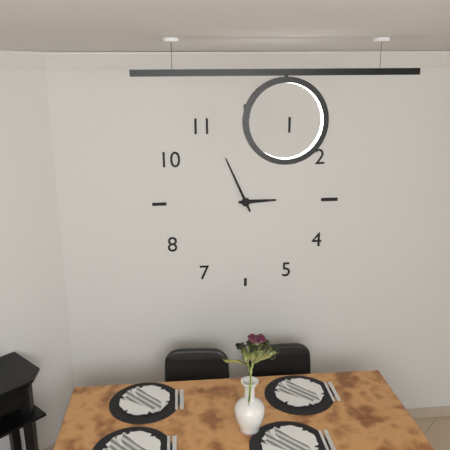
2:56
